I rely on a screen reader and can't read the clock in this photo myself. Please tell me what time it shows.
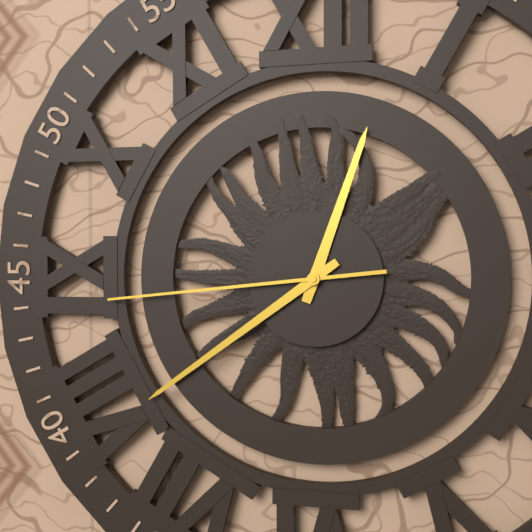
12:39:44
